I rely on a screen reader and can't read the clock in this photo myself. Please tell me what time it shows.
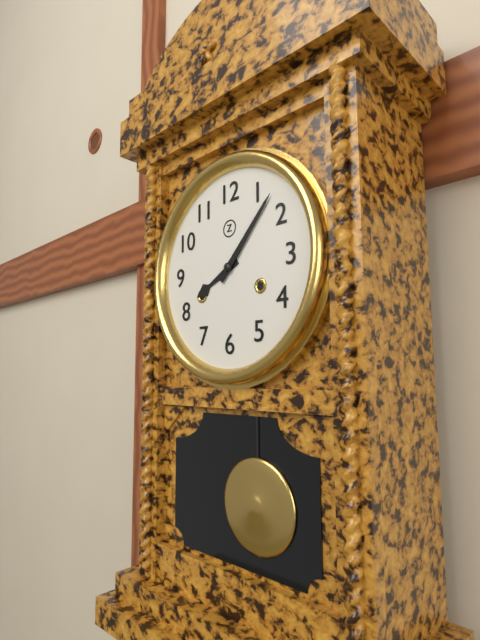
8:07
